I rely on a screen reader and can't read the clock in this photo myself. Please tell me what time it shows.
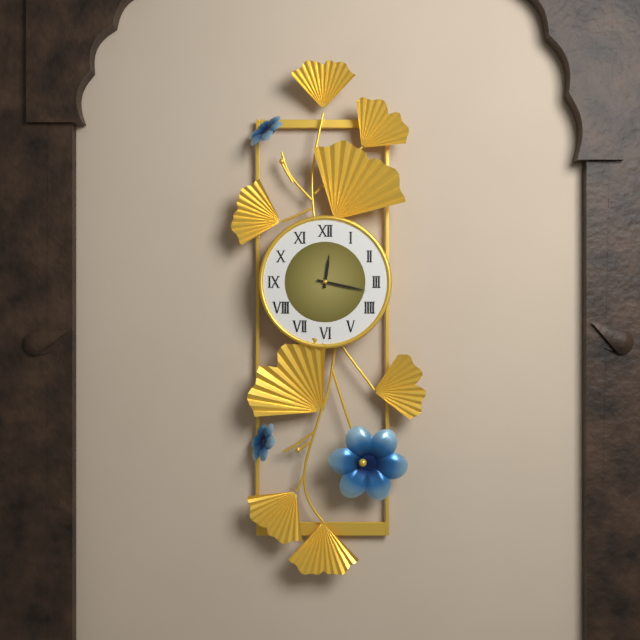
12:17
